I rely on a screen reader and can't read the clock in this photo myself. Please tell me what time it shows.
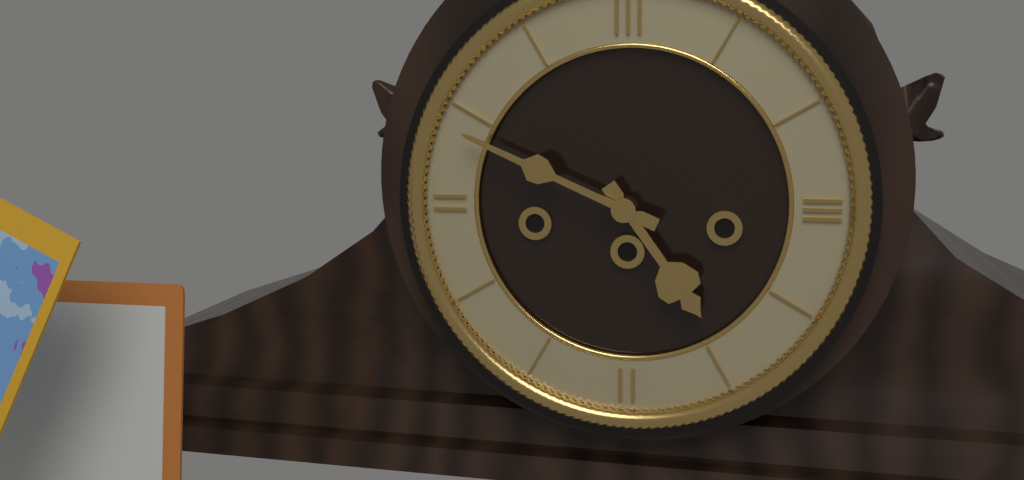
4:49
